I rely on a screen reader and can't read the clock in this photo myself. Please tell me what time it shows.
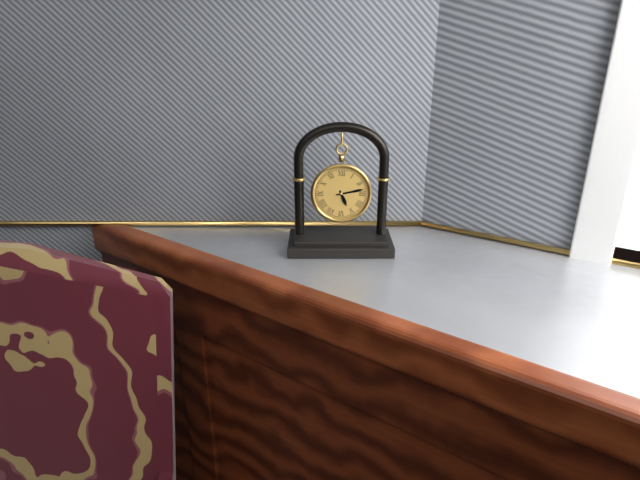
5:13
